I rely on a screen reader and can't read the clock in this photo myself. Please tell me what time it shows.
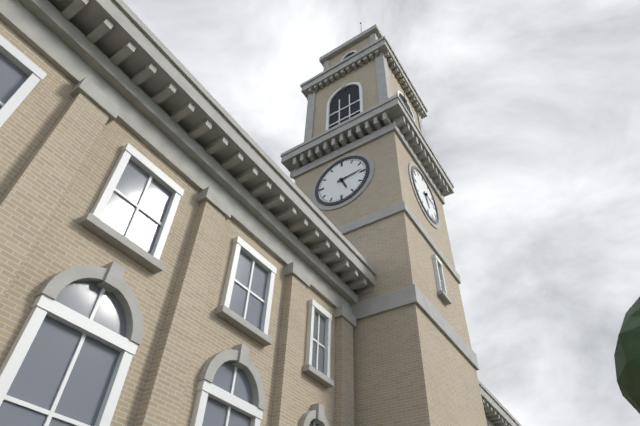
5:14
